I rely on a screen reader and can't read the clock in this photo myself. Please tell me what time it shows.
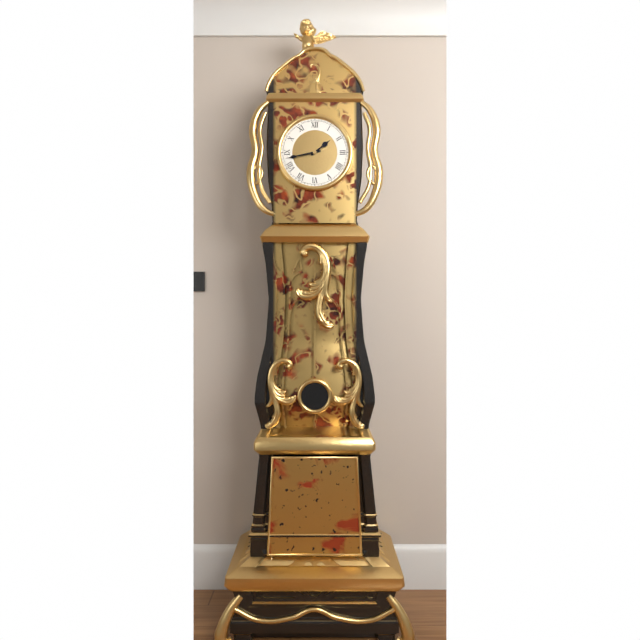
1:43
